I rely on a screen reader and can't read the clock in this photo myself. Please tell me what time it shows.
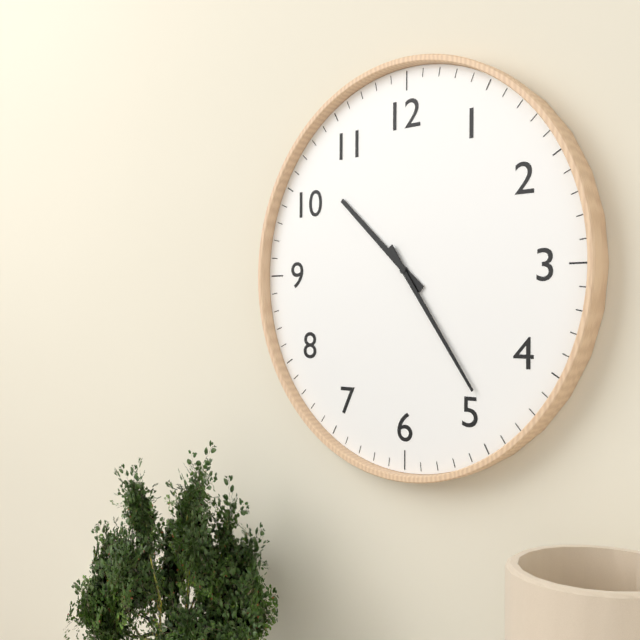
10:24
